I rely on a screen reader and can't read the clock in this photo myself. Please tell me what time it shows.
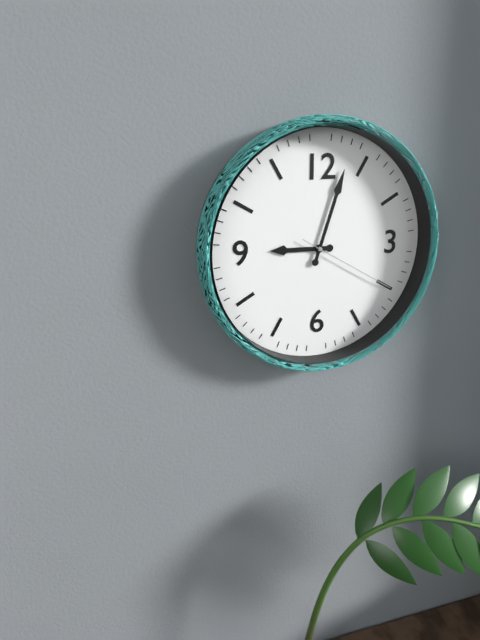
9:03:20
